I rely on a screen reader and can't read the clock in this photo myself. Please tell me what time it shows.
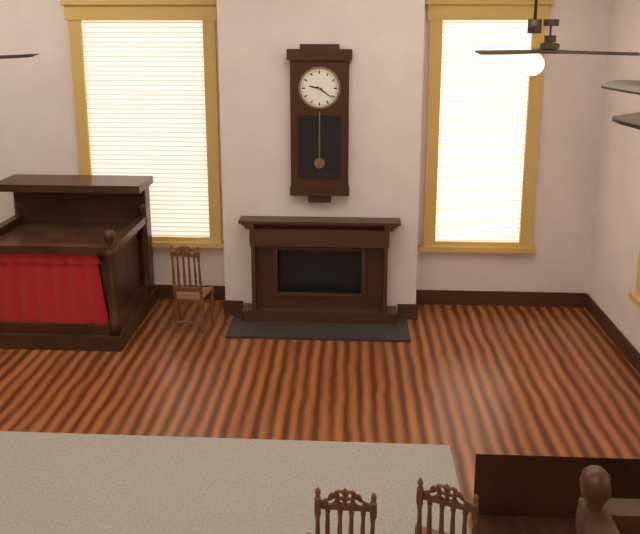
9:21
